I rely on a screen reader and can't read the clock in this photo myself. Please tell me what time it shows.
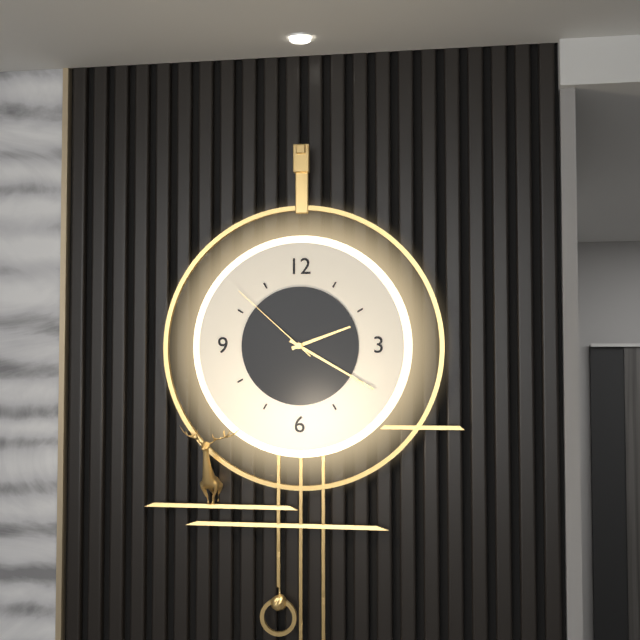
2:20:52
